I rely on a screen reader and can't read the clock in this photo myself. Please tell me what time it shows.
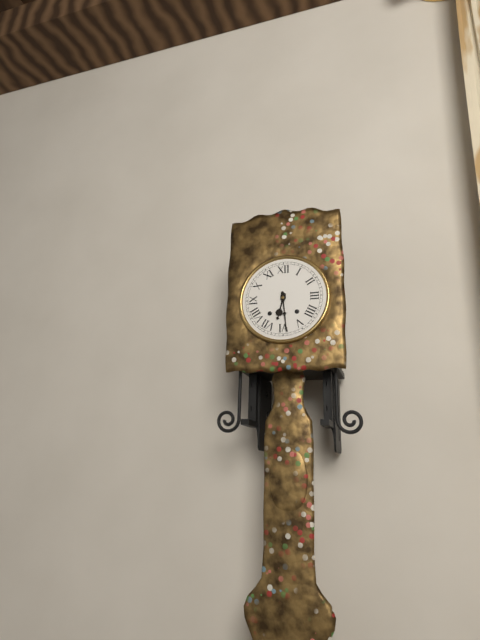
6:29
